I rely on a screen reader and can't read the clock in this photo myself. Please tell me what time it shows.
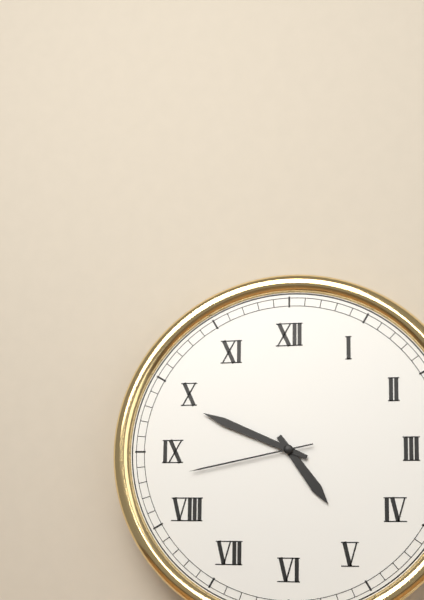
4:49:43
